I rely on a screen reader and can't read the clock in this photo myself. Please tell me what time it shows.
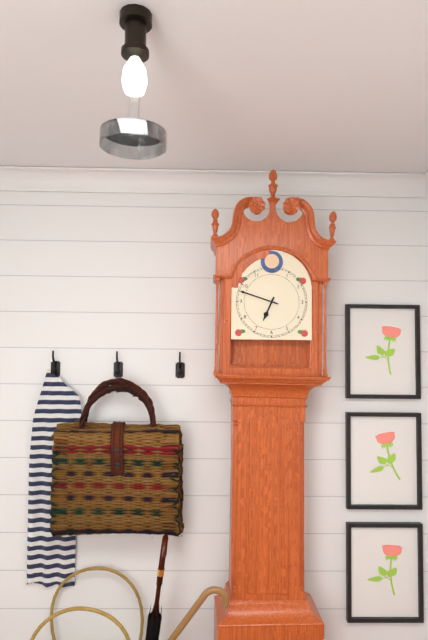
6:48
